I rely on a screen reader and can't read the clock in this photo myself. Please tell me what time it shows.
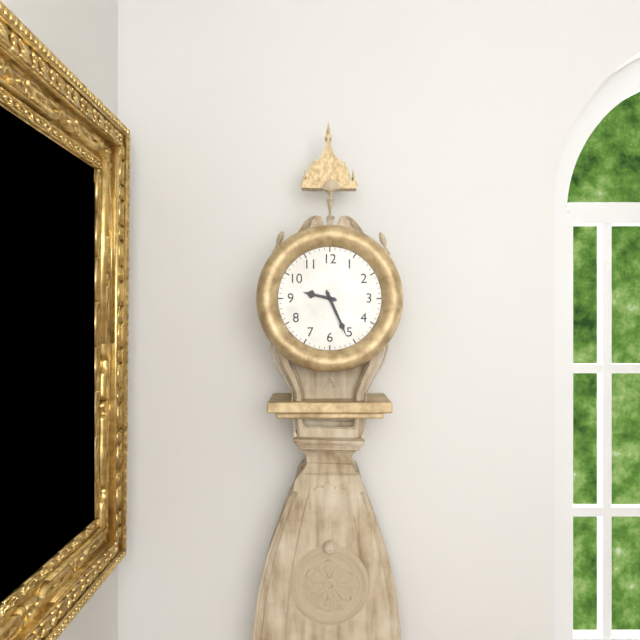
9:26
